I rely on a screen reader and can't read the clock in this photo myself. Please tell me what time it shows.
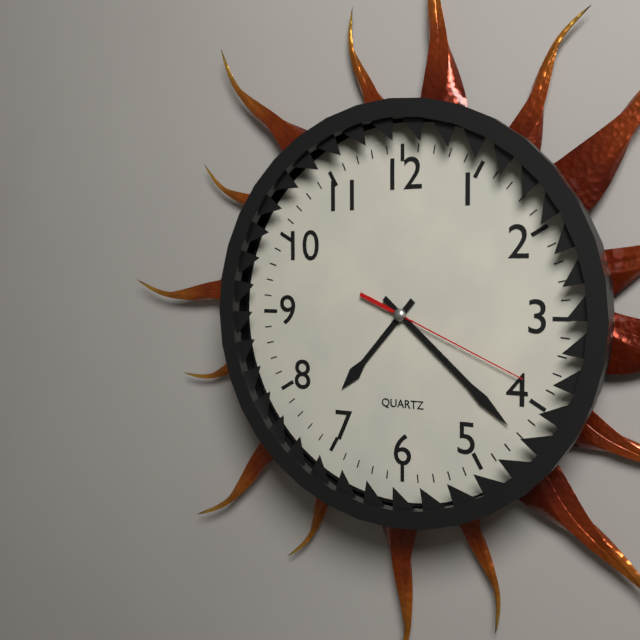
7:22:19
